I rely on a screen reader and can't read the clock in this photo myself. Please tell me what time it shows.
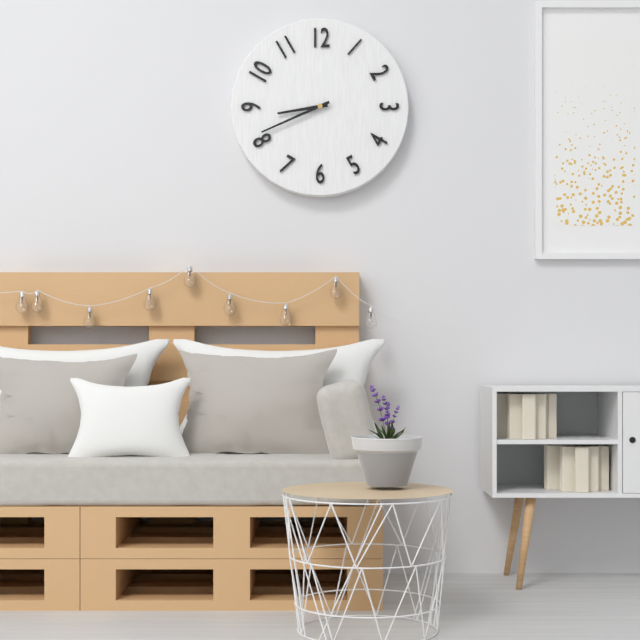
8:41
